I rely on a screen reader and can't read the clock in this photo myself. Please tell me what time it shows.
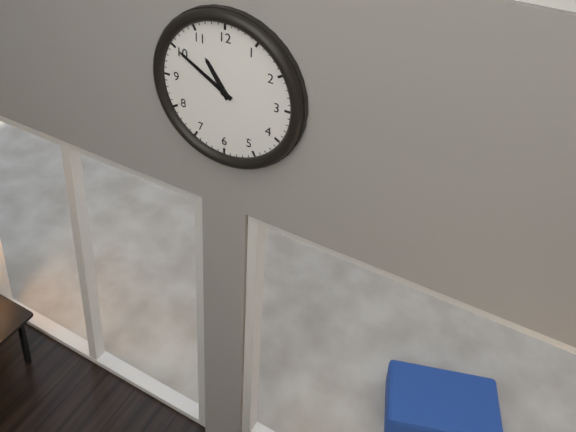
10:50
